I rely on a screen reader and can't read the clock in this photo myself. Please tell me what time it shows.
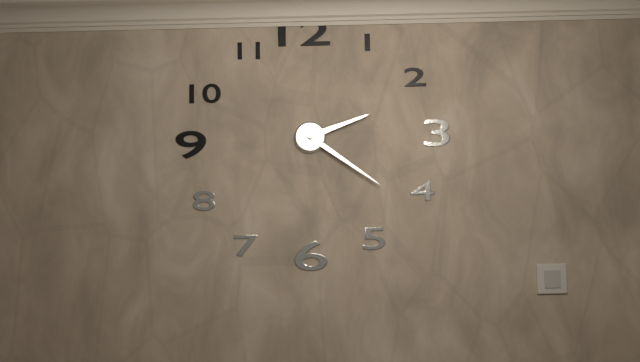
2:21
